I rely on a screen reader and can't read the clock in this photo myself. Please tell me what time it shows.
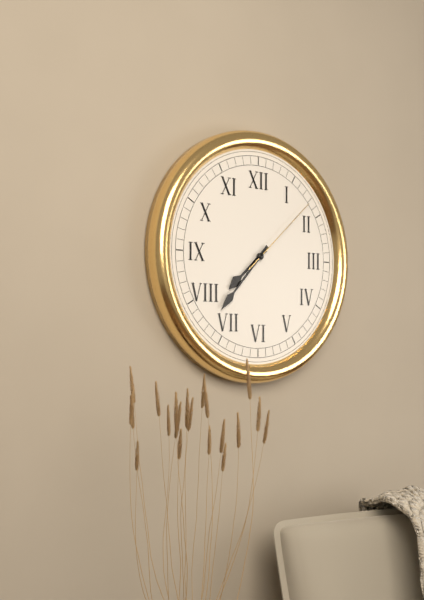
7:37:08
